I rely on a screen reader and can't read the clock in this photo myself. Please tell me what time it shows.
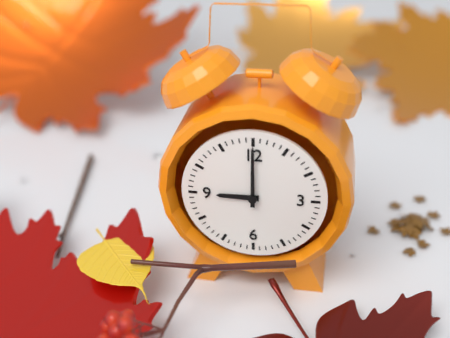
9:00
